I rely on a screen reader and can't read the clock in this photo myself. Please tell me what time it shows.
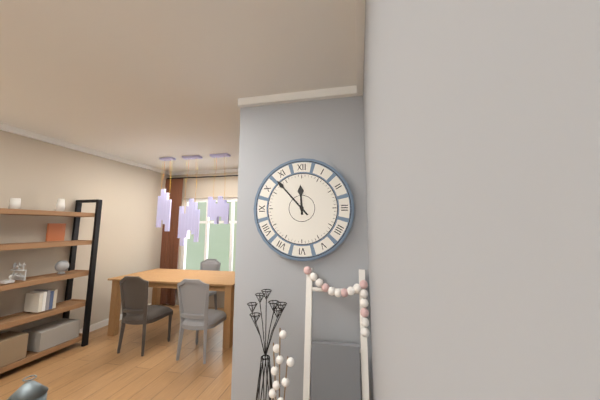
11:53
